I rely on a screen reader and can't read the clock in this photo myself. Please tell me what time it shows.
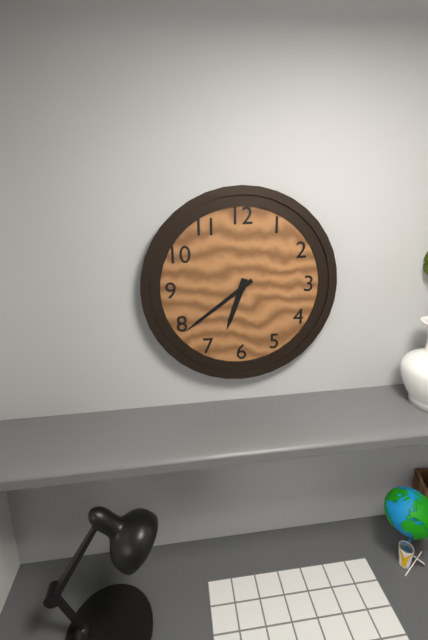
6:39
